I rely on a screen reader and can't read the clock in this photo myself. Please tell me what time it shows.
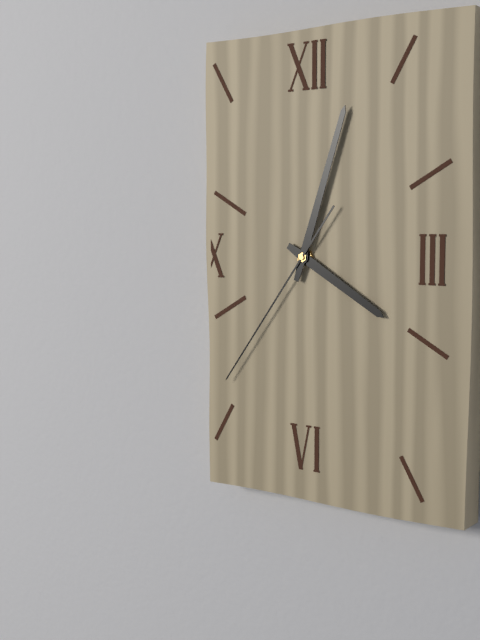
4:03:36
